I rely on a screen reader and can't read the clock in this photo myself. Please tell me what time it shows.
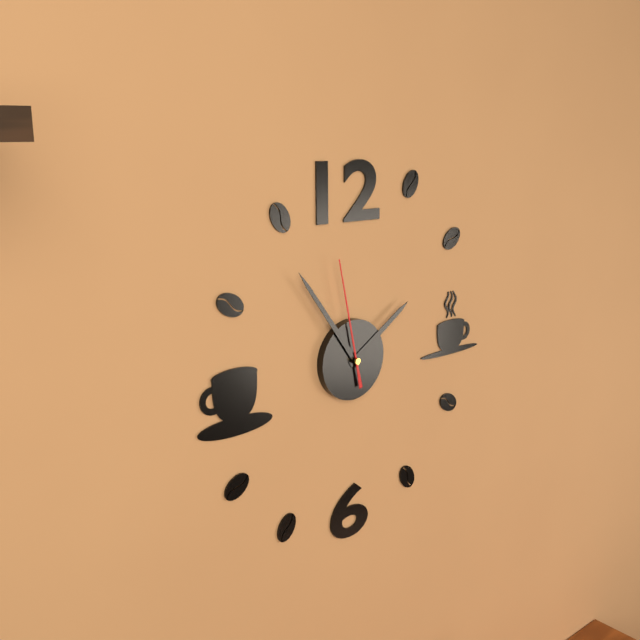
1:54:58
